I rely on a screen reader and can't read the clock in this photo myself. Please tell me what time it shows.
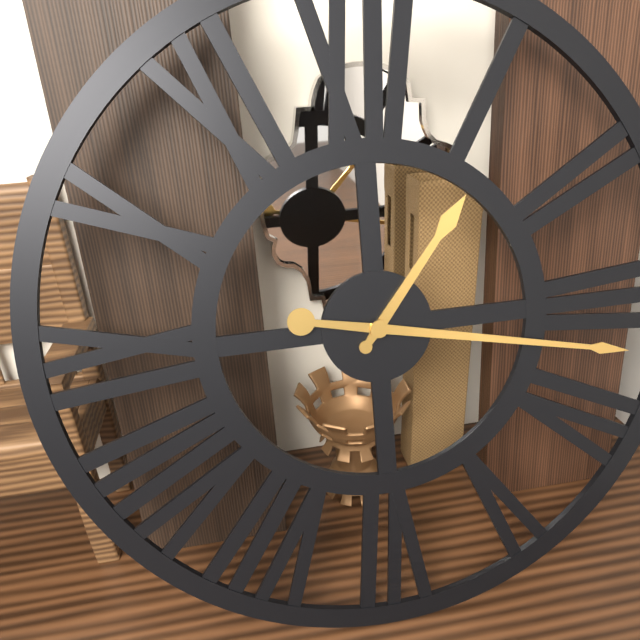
1:17
